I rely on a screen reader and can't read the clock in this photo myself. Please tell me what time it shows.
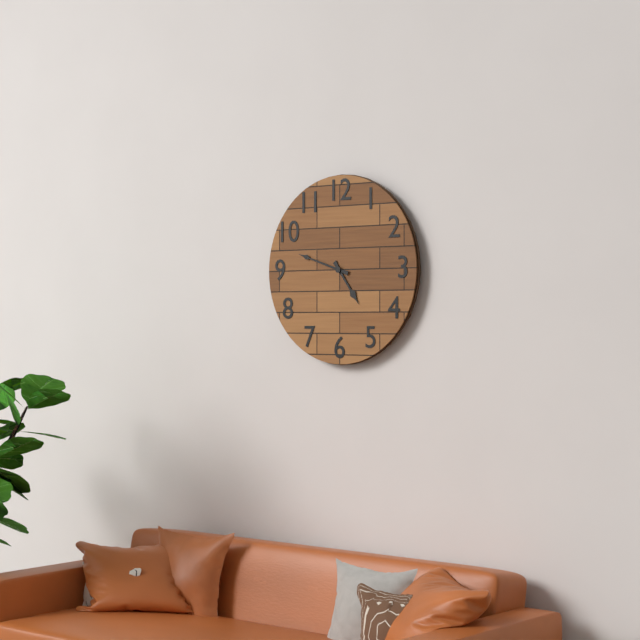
4:48
